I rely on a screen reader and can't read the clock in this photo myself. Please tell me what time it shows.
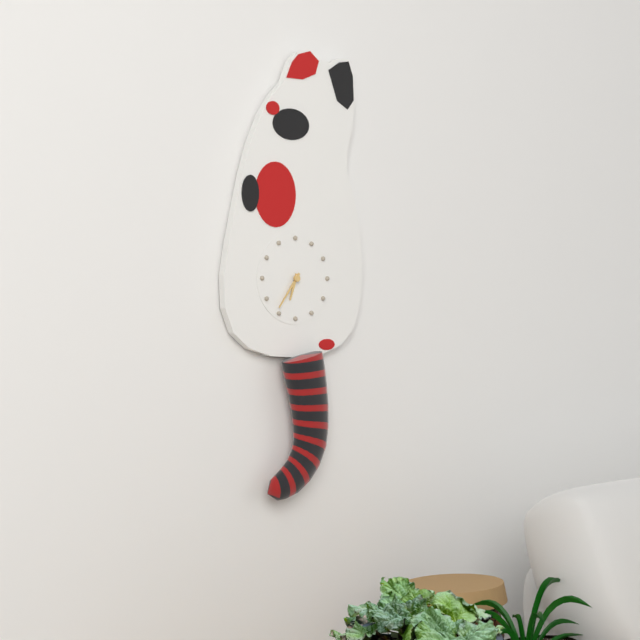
6:36
